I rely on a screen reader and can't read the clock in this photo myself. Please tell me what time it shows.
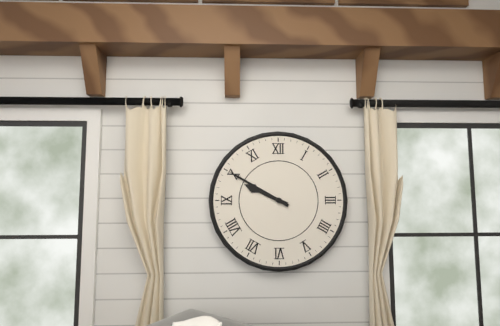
9:50
